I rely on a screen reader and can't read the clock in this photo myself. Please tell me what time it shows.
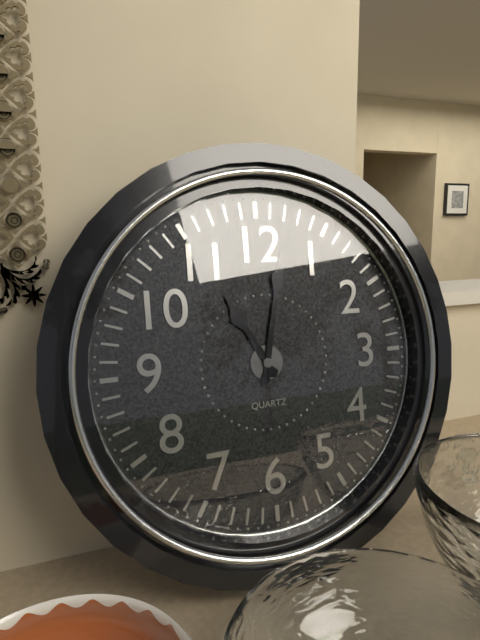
11:02
